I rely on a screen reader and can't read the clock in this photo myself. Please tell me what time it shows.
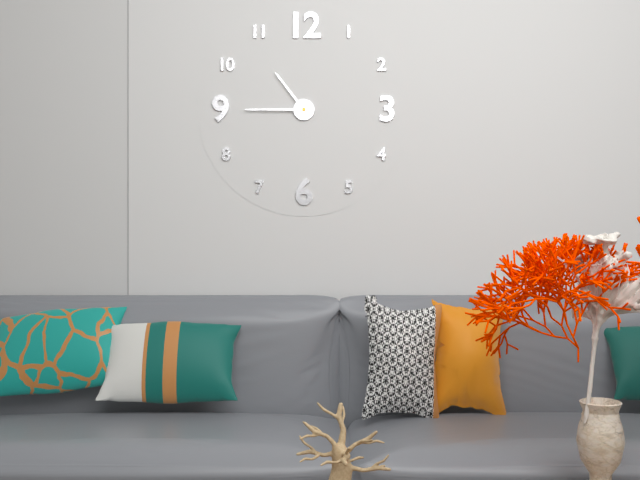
10:45
